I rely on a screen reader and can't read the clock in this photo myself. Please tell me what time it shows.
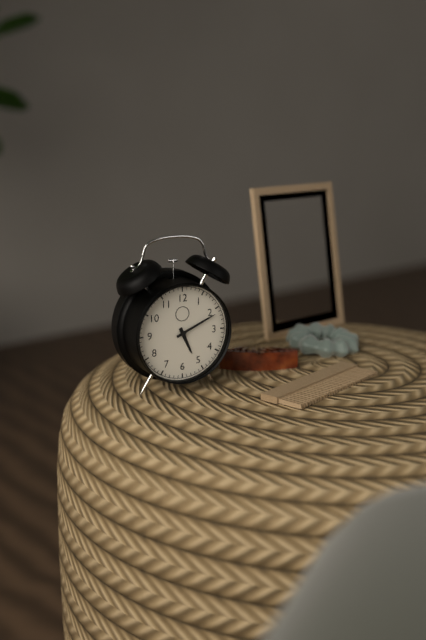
5:11
